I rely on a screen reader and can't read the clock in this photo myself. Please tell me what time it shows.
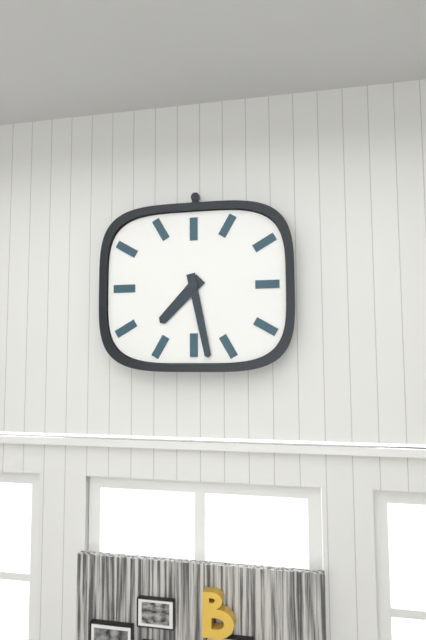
7:28
